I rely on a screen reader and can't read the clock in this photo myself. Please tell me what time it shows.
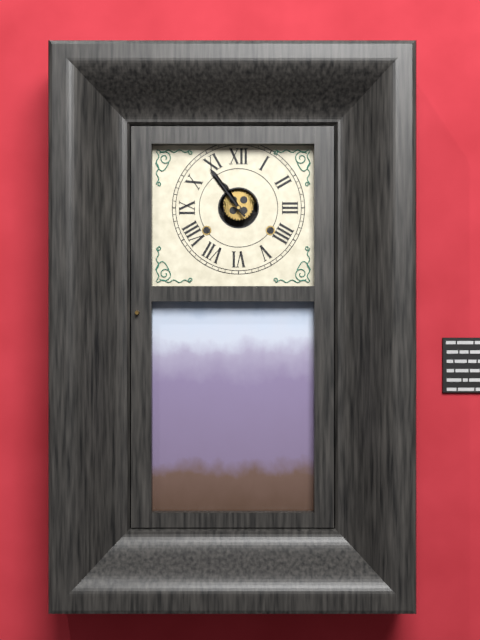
10:54
